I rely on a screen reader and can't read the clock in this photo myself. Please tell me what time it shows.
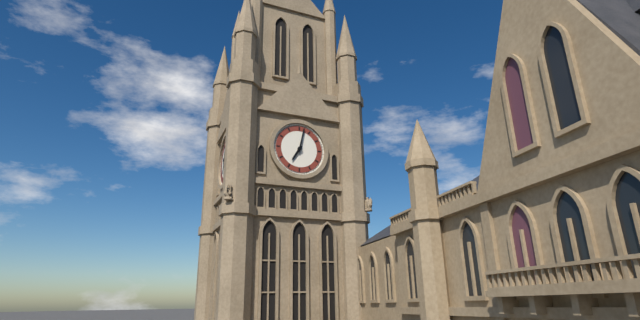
7:02
